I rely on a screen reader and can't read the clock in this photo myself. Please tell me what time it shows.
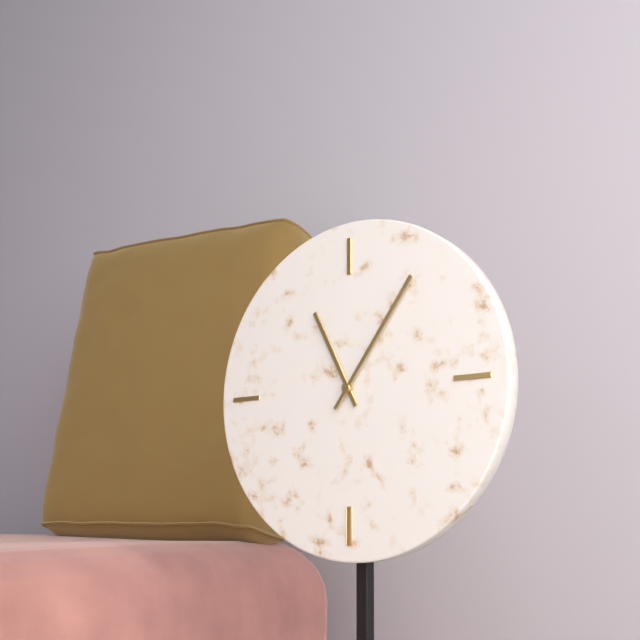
11:06
